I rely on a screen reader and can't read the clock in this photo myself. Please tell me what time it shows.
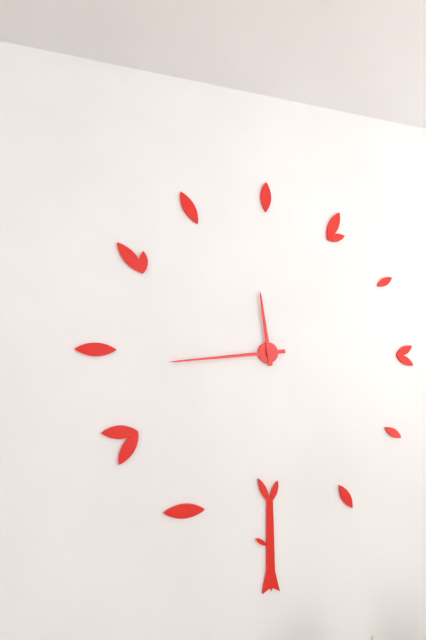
11:44
